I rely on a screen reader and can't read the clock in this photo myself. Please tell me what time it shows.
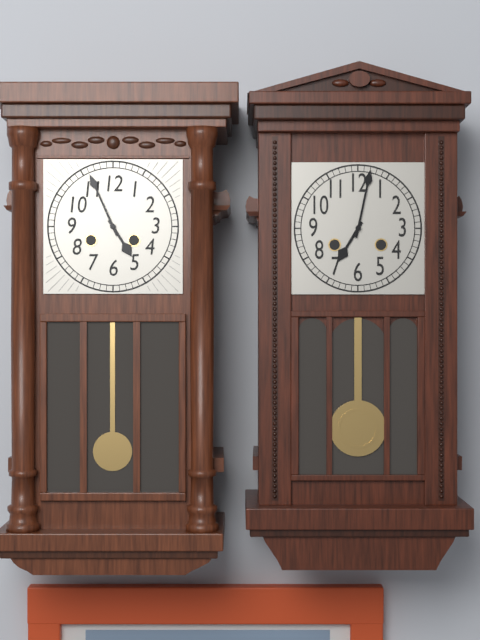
4:56
